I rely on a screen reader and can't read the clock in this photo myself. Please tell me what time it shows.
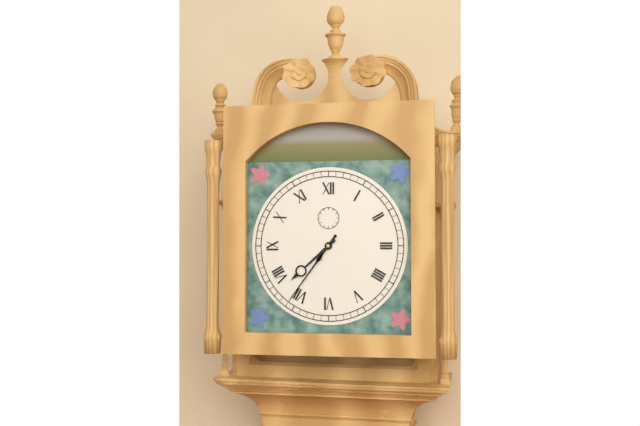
7:36
